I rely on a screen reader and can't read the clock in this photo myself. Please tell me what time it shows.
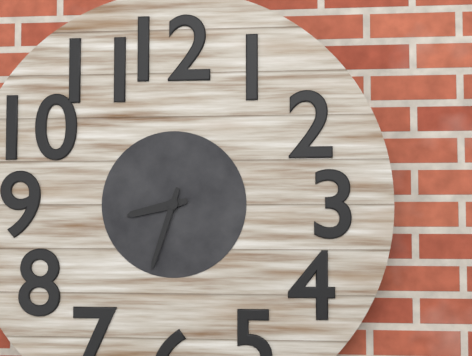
8:33
